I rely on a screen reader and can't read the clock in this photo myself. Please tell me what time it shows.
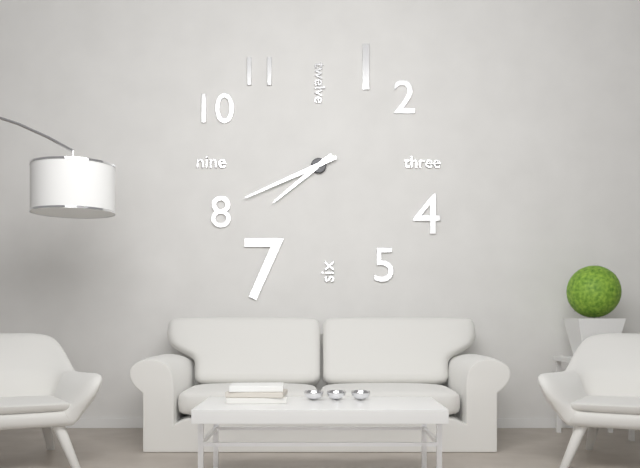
7:41
